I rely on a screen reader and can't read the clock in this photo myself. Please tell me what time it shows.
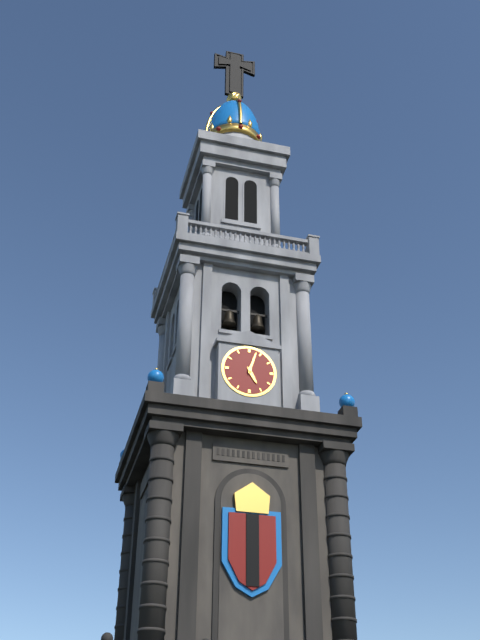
5:03
